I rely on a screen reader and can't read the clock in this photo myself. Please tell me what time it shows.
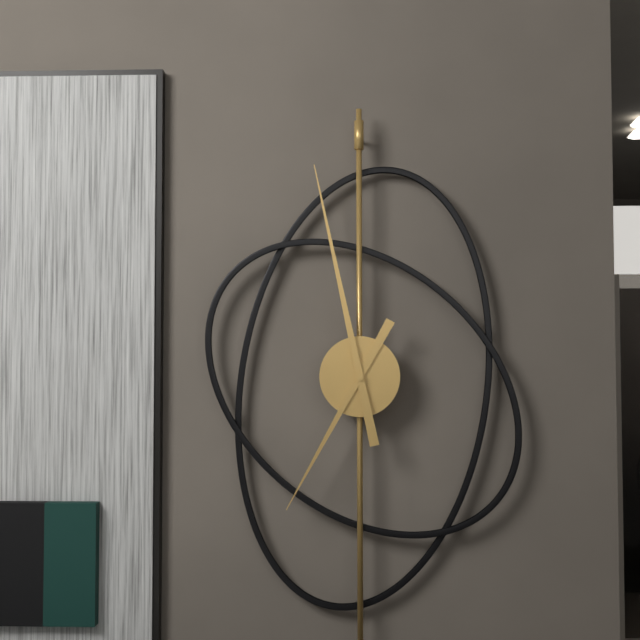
6:58
